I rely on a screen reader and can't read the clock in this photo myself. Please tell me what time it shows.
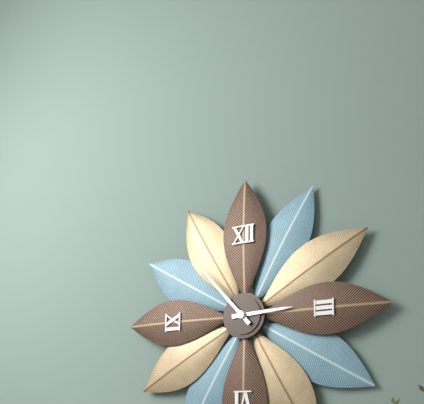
2:53
